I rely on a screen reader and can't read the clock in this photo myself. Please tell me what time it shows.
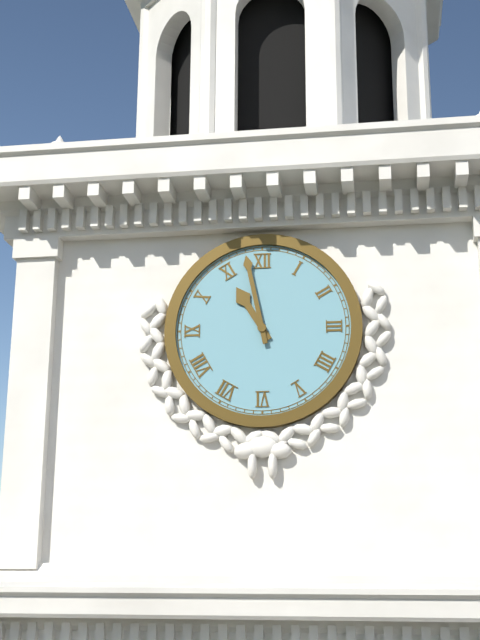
10:58
